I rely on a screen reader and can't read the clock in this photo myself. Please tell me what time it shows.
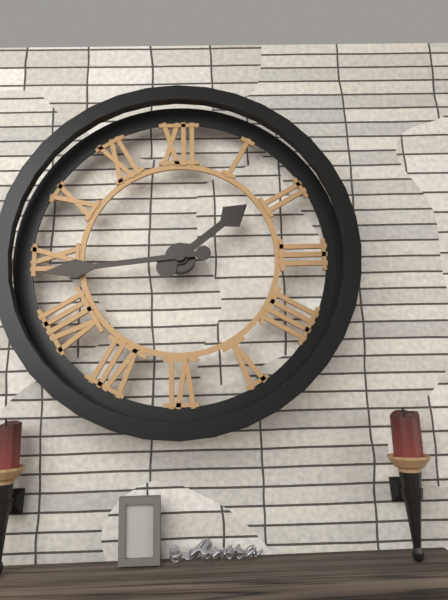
1:44
